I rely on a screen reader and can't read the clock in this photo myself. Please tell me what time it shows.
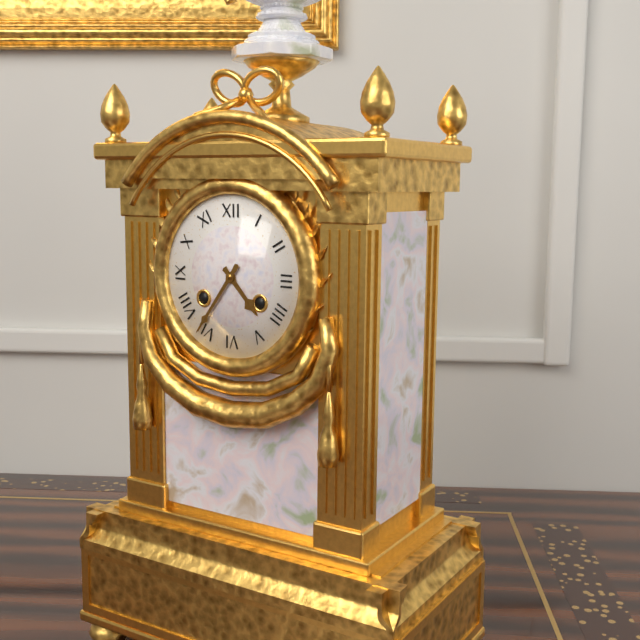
4:36
